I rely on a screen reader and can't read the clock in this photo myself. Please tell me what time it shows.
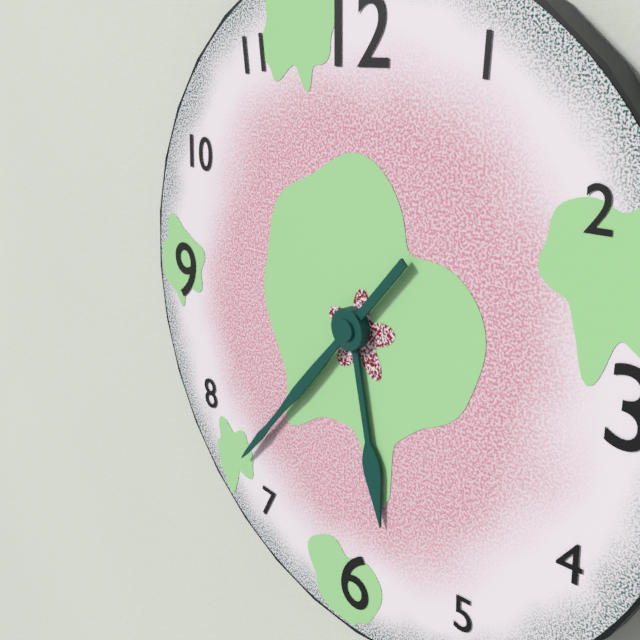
5:37
